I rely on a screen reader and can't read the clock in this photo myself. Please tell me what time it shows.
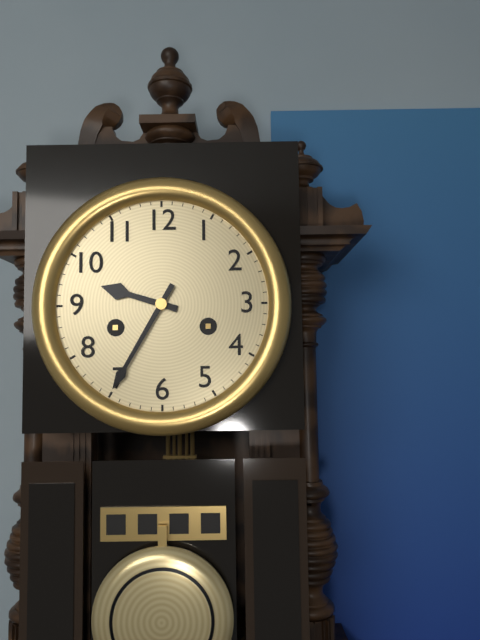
9:35
